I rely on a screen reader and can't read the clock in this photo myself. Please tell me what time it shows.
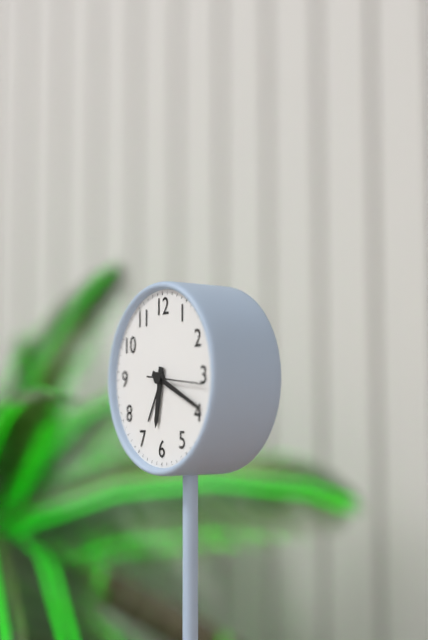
6:19:16
